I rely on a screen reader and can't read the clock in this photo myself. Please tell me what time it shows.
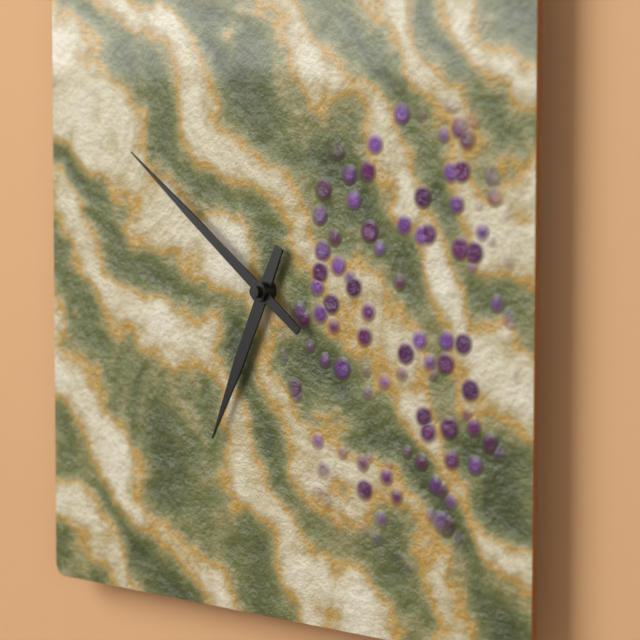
6:51
